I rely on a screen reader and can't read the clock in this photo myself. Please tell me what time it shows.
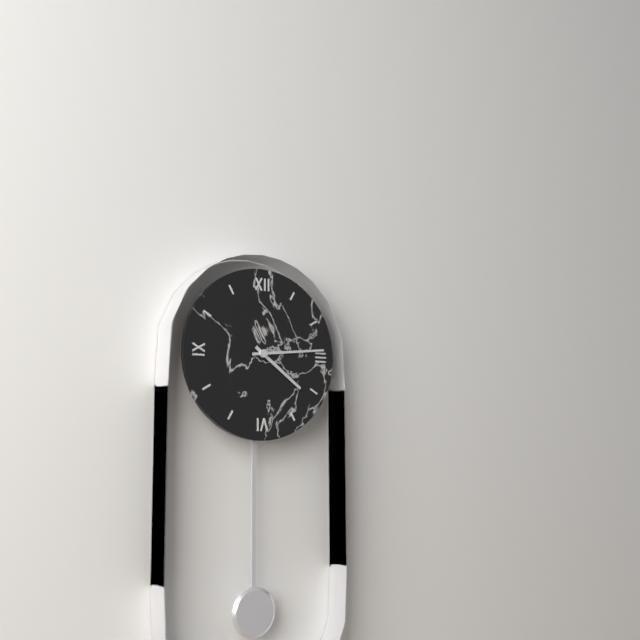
4:14
